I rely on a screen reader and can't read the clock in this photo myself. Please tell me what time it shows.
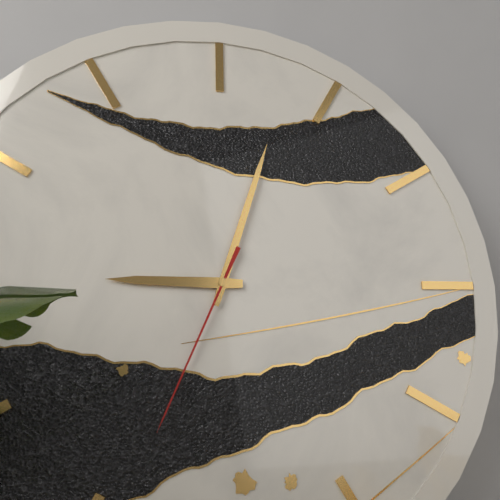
9:03:34
